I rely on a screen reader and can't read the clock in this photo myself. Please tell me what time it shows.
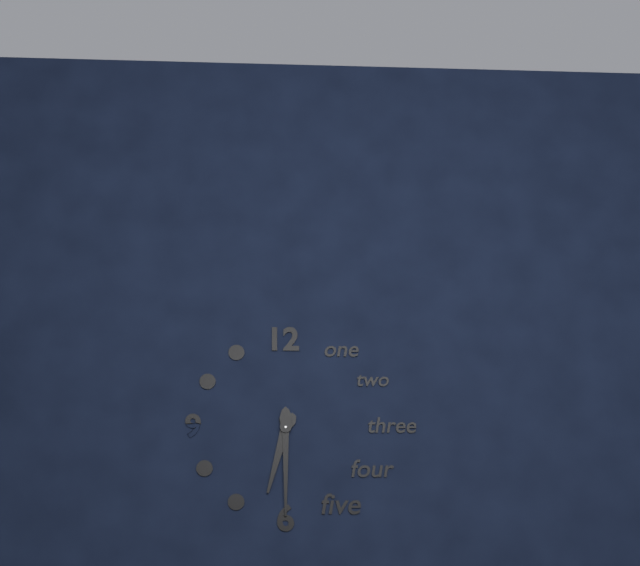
6:30
